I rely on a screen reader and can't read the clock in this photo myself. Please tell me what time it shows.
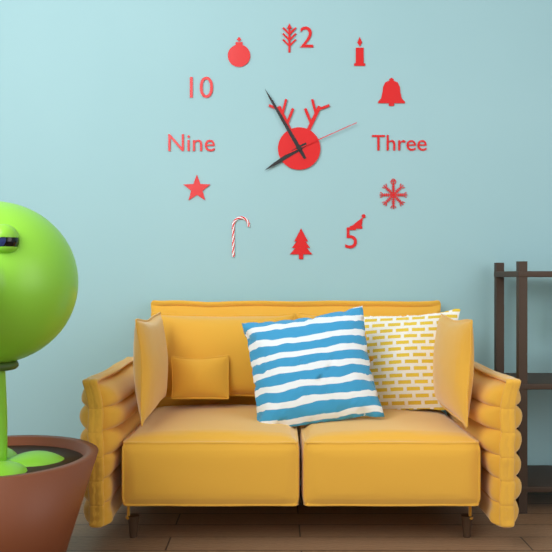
7:55:11
